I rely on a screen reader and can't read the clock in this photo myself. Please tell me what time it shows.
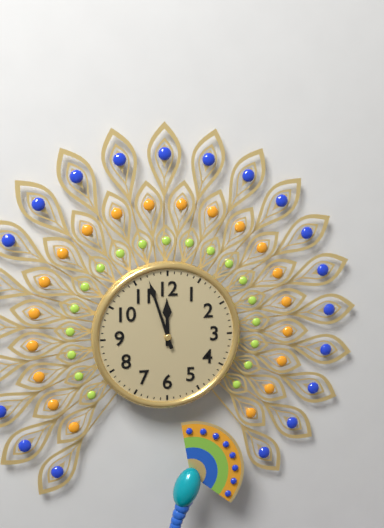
11:57
